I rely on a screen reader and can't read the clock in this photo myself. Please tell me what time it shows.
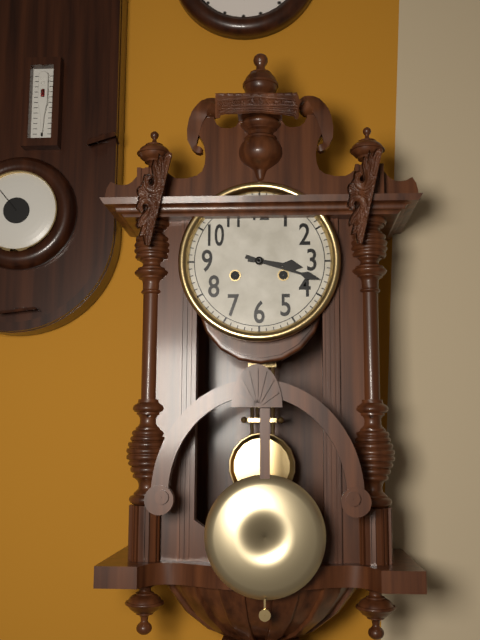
3:18
